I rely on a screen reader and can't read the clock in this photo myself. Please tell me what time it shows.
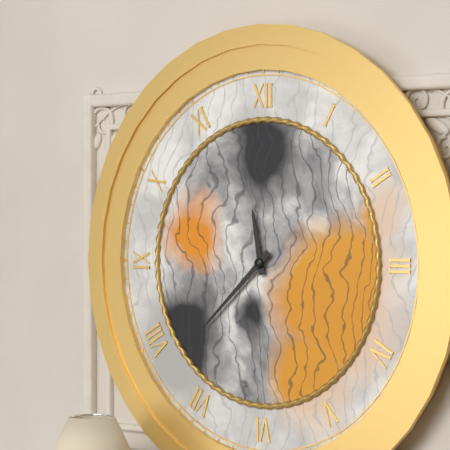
11:38
